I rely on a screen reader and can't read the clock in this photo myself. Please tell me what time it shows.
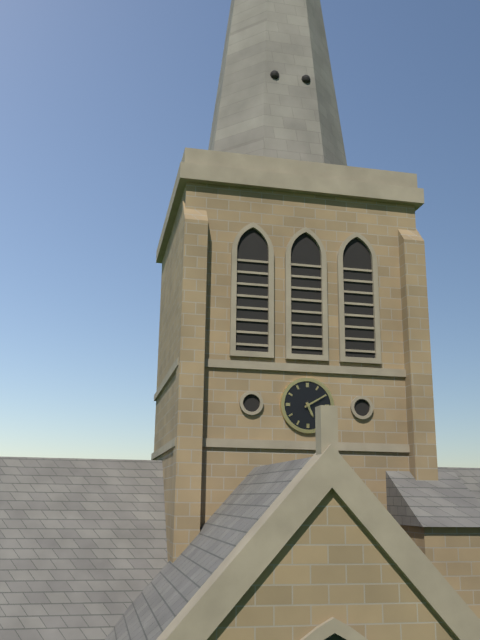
5:10
